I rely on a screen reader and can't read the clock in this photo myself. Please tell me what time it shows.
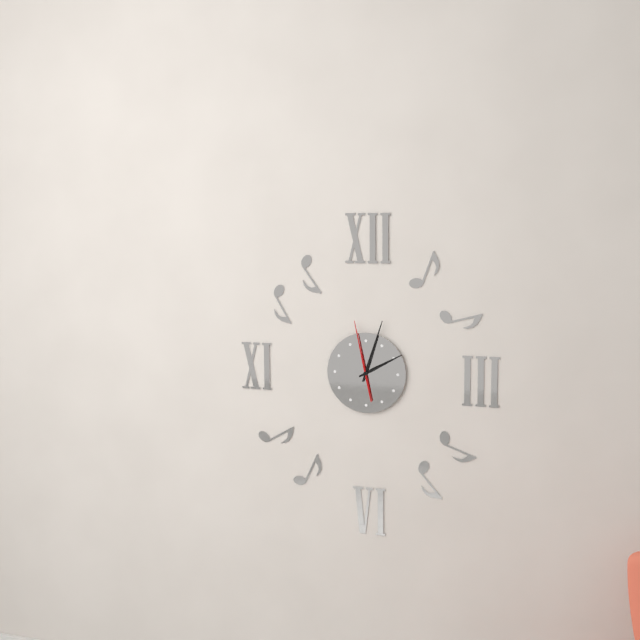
2:03:58
